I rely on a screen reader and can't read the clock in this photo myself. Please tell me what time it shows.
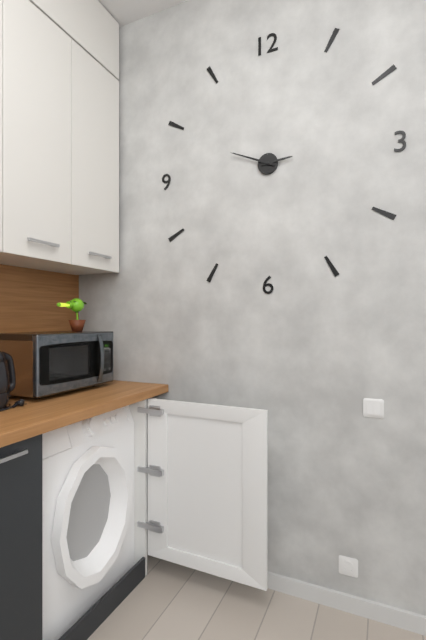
2:49
